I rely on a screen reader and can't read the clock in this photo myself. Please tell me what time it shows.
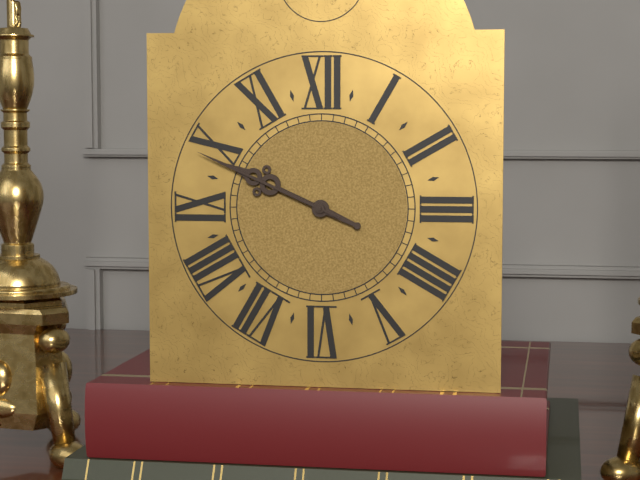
9:49
